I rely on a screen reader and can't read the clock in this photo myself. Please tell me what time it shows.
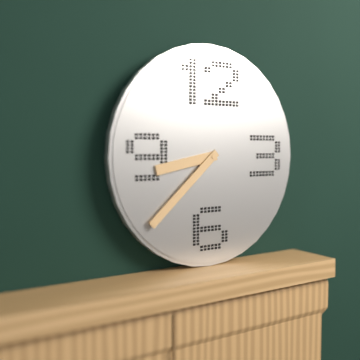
8:38
